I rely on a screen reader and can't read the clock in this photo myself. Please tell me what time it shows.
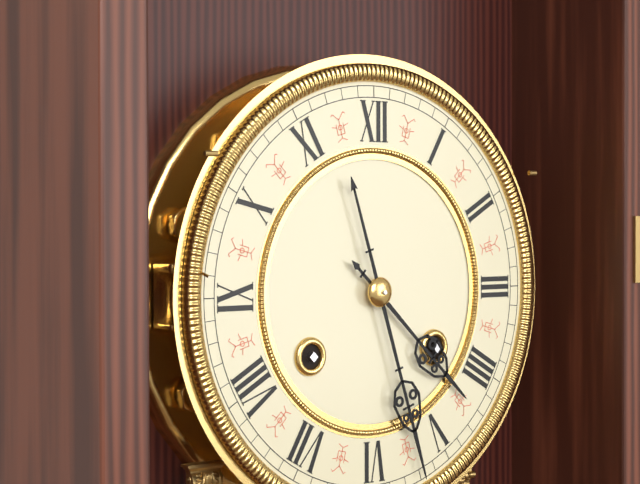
4:27
